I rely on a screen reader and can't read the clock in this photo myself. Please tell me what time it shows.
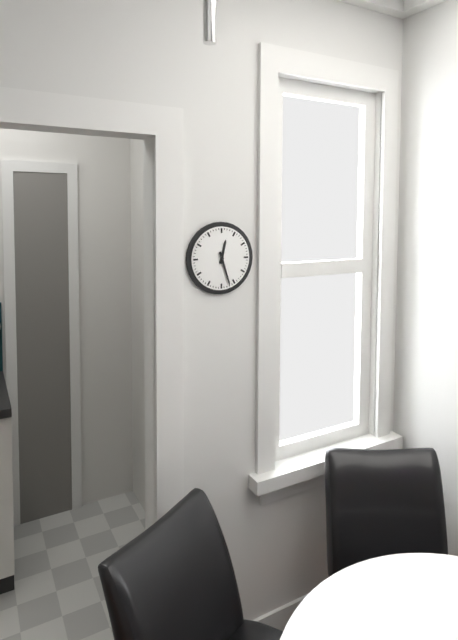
12:27
